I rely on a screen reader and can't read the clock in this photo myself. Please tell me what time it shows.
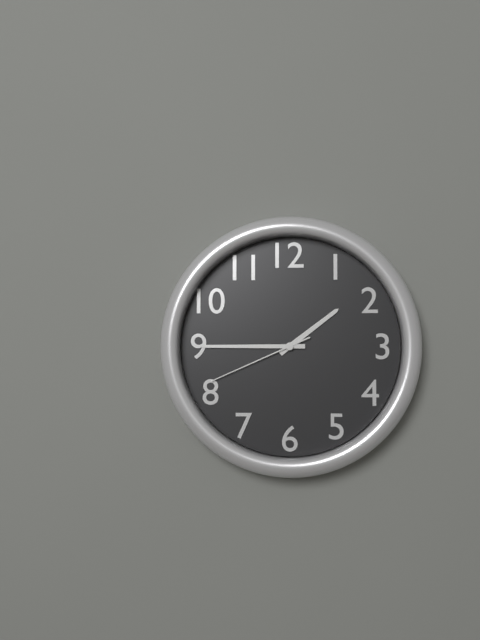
1:45:41
